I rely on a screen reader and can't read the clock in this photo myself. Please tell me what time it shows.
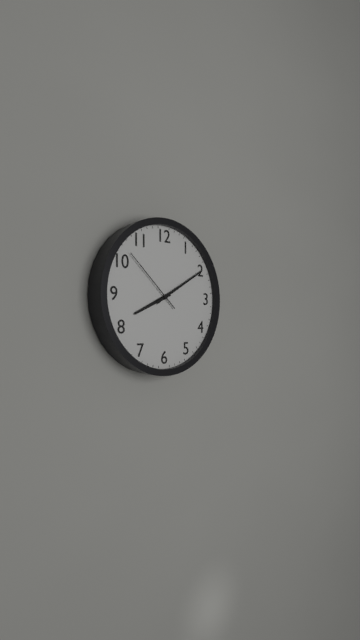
8:10:52
